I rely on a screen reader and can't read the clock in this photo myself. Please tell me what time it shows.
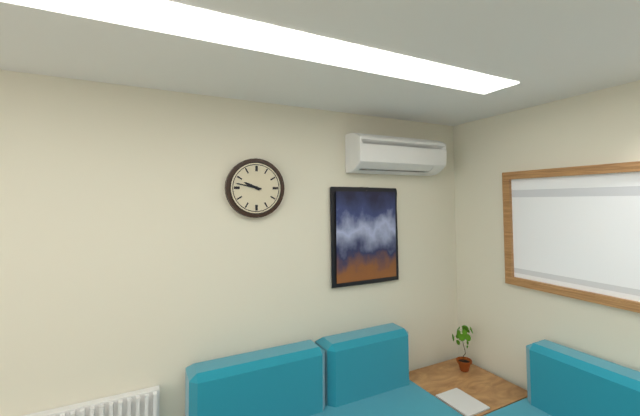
9:47
